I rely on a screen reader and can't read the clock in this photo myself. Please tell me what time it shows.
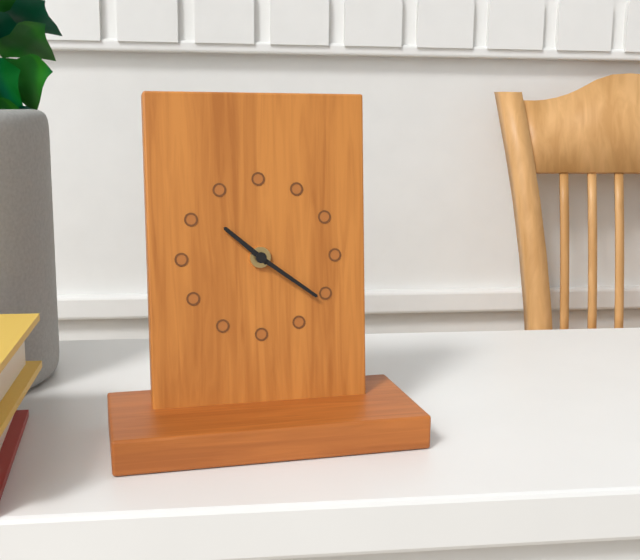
10:21
